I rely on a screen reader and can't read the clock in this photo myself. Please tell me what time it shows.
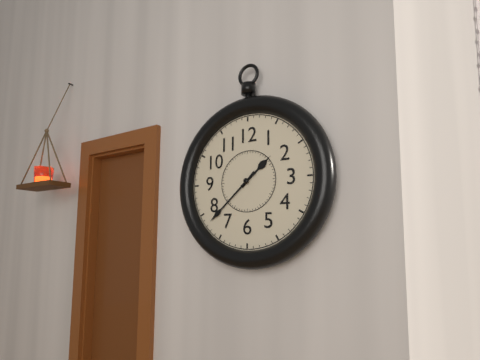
1:38
